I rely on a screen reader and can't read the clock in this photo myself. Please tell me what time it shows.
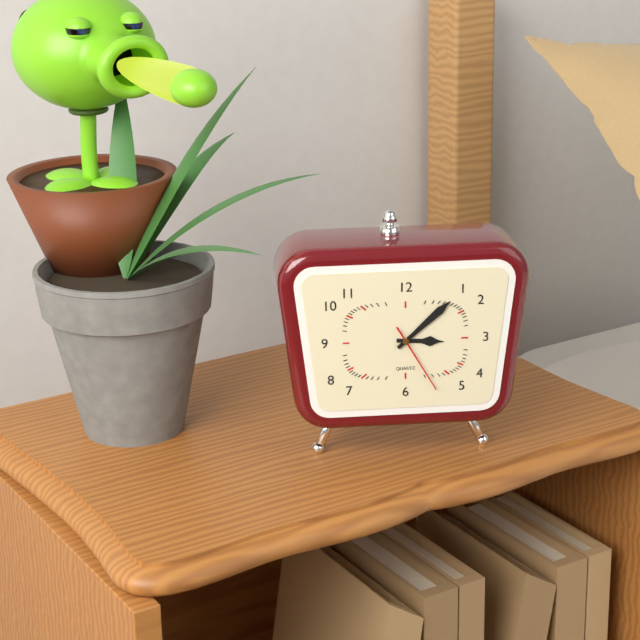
3:08:25
